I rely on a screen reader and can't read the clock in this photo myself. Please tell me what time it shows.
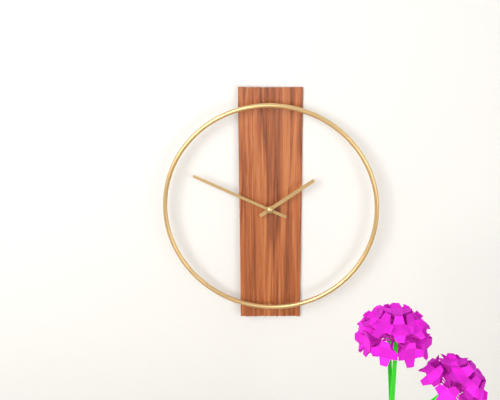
1:49
